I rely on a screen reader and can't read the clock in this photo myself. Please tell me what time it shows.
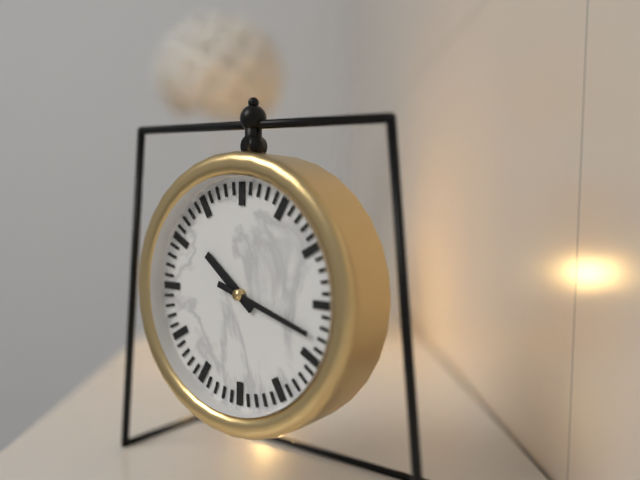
10:18
